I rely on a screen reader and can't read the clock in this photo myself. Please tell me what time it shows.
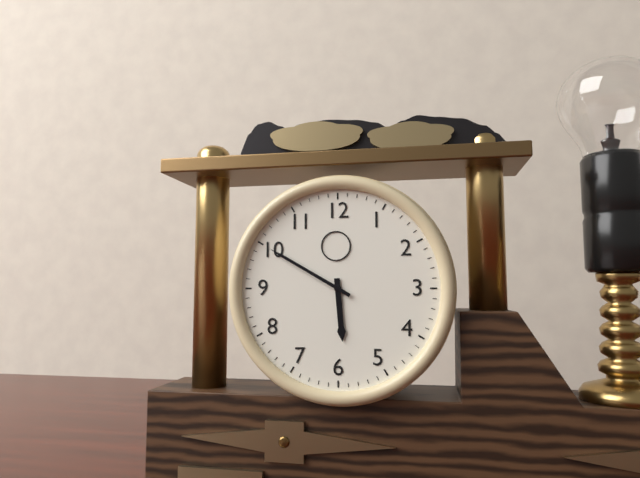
5:50
